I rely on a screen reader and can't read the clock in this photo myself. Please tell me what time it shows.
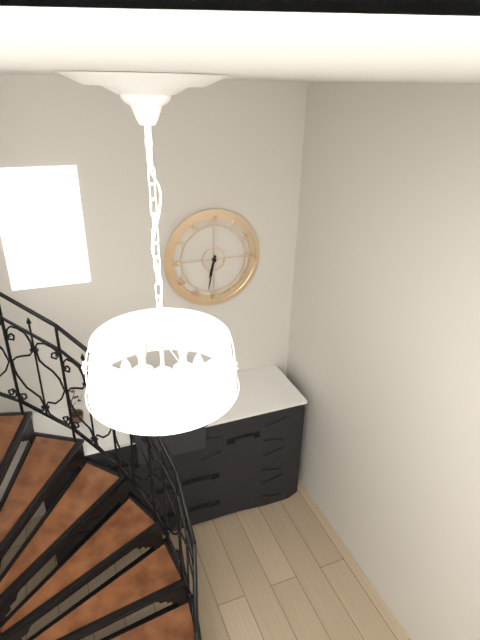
6:32
